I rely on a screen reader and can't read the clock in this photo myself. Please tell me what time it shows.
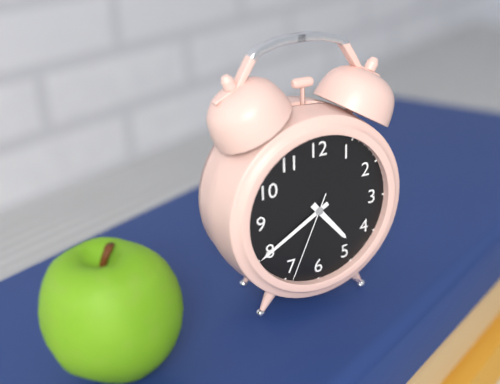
4:40:34
